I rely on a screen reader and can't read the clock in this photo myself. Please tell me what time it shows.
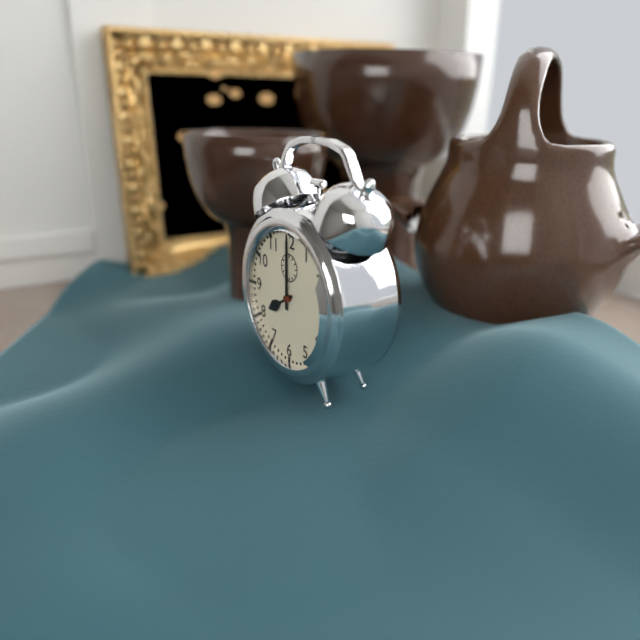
8:00
